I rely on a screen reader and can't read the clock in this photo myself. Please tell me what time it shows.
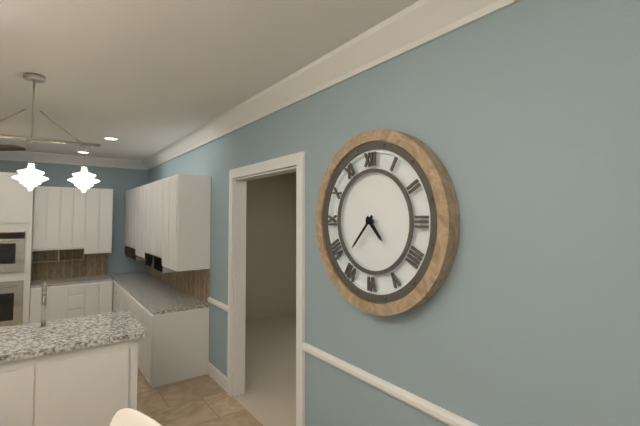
4:37
